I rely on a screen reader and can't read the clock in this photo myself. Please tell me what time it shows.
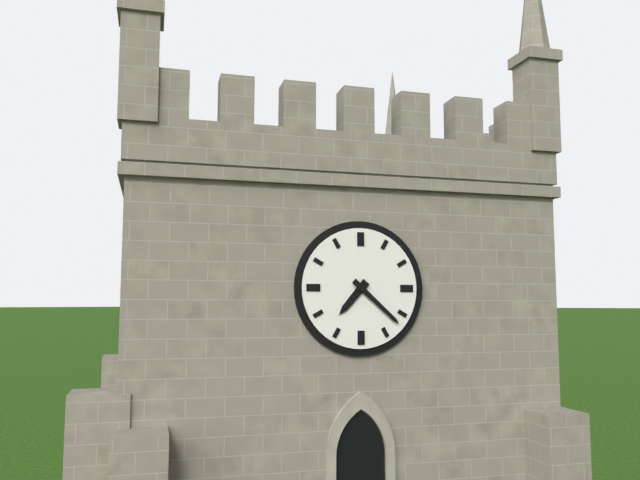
7:22
